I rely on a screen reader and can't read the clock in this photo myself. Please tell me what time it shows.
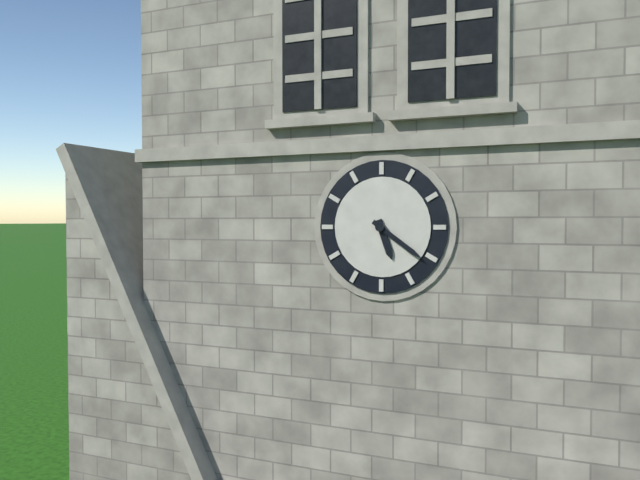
5:21
